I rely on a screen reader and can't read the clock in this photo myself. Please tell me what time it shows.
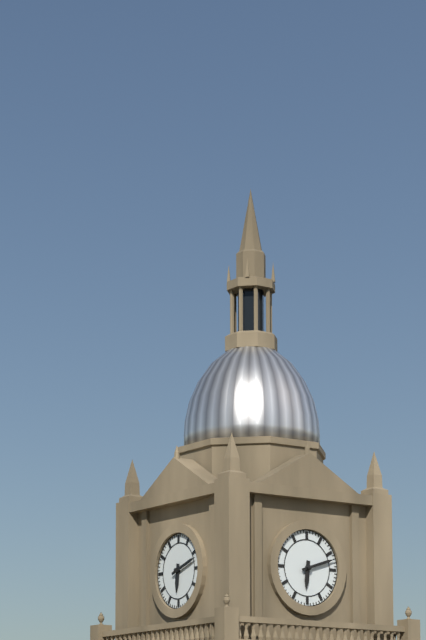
6:12
